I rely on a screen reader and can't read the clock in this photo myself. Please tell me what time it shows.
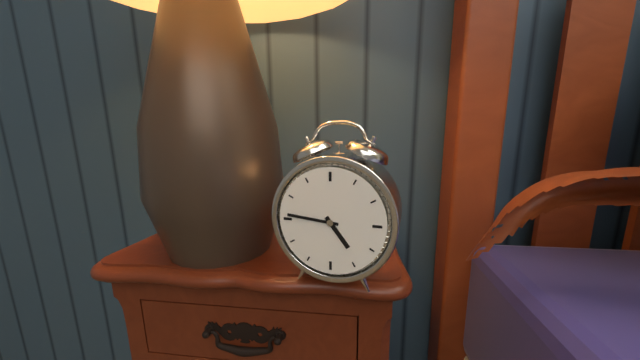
4:46
